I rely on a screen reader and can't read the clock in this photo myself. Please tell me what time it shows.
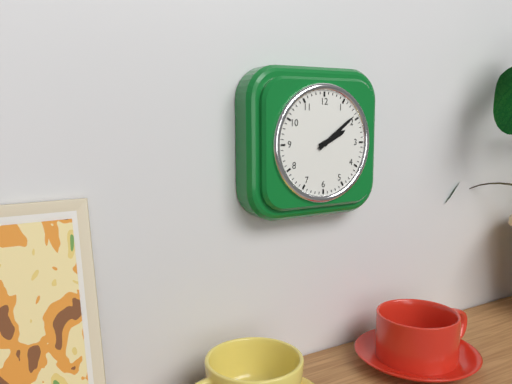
2:09
